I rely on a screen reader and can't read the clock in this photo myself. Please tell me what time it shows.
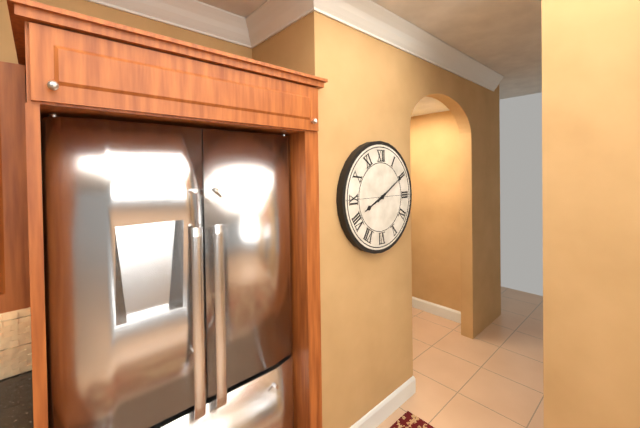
8:10
